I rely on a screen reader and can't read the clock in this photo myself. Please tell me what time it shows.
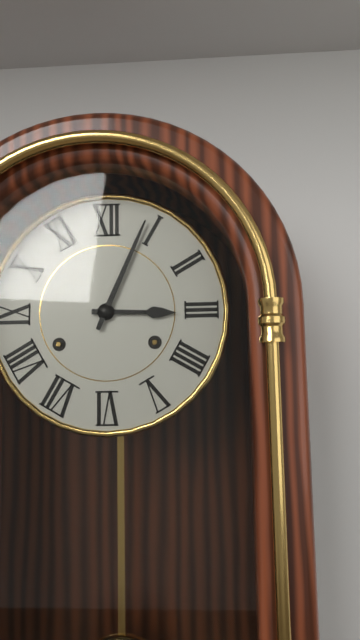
3:04
